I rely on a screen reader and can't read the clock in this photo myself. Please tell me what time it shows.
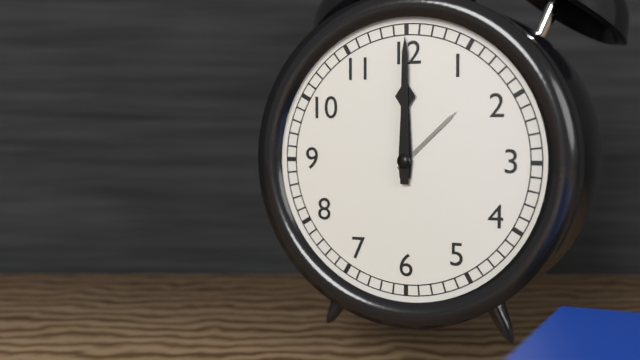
12:00
